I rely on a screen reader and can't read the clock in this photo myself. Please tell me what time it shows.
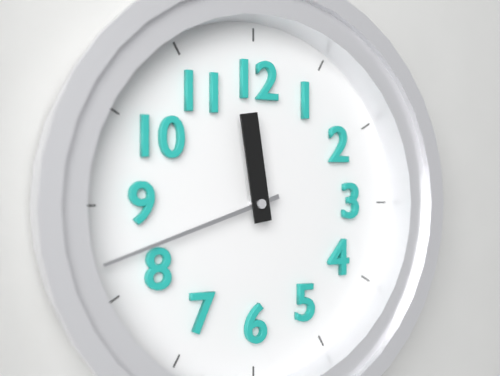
11:42
